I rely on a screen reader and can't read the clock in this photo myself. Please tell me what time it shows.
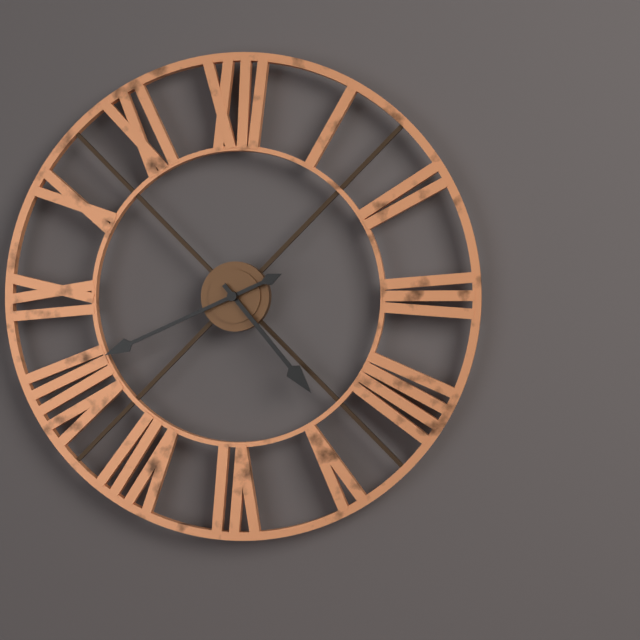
4:41
